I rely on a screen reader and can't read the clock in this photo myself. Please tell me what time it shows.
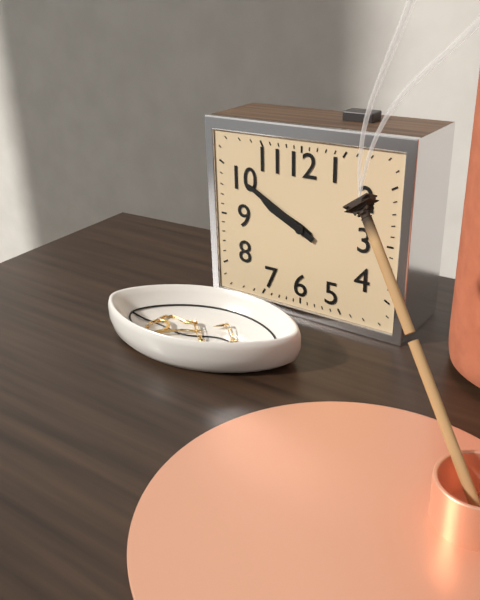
9:50
